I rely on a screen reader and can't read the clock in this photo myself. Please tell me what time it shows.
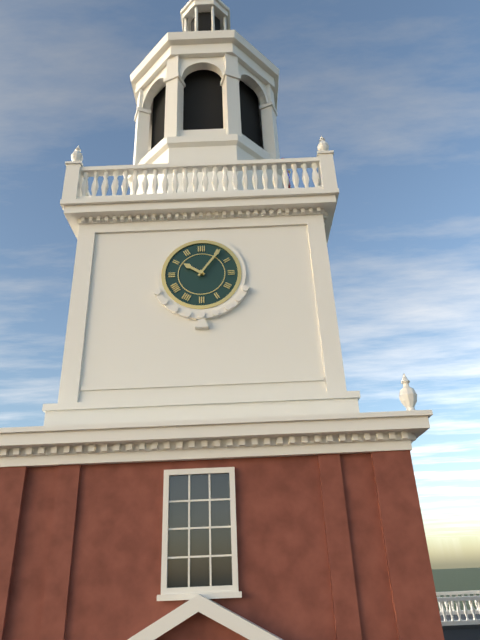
10:06
